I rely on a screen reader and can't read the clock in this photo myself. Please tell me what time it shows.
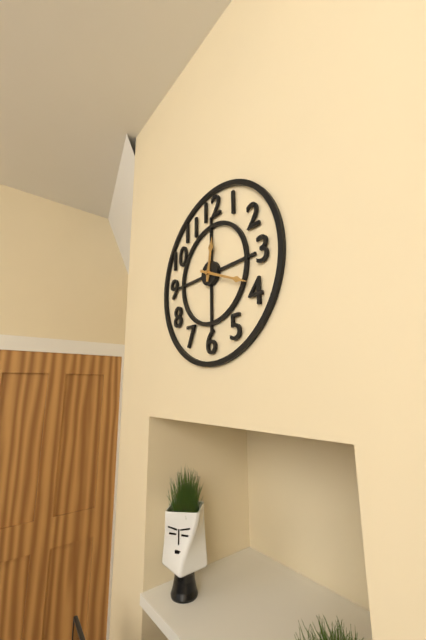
12:19
